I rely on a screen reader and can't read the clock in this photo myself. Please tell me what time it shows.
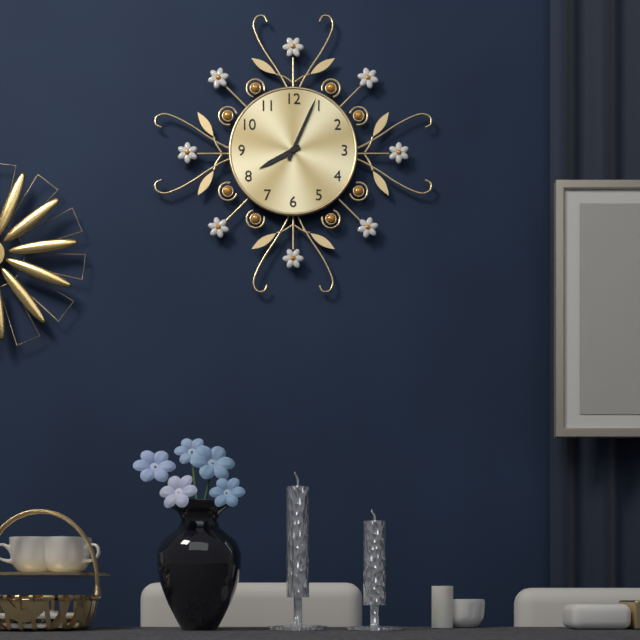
8:04
